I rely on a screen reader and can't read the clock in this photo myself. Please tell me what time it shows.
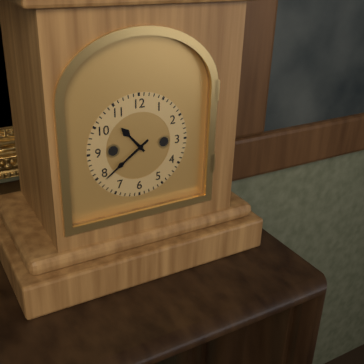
10:39
